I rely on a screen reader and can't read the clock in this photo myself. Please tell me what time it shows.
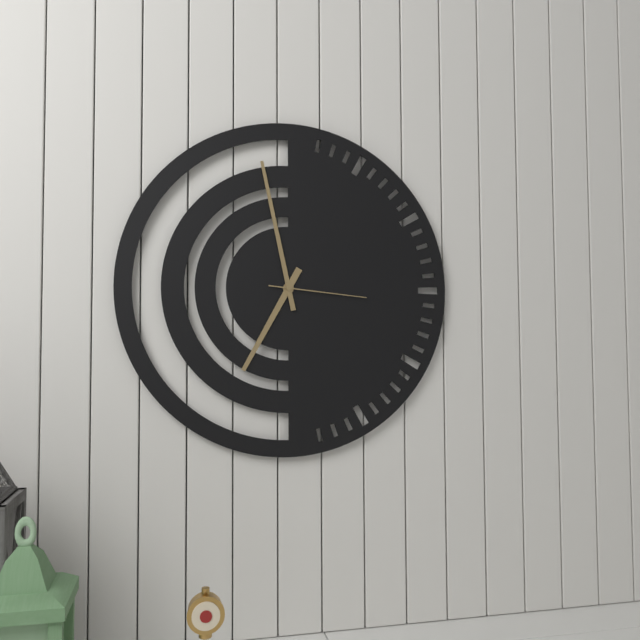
6:58:16
